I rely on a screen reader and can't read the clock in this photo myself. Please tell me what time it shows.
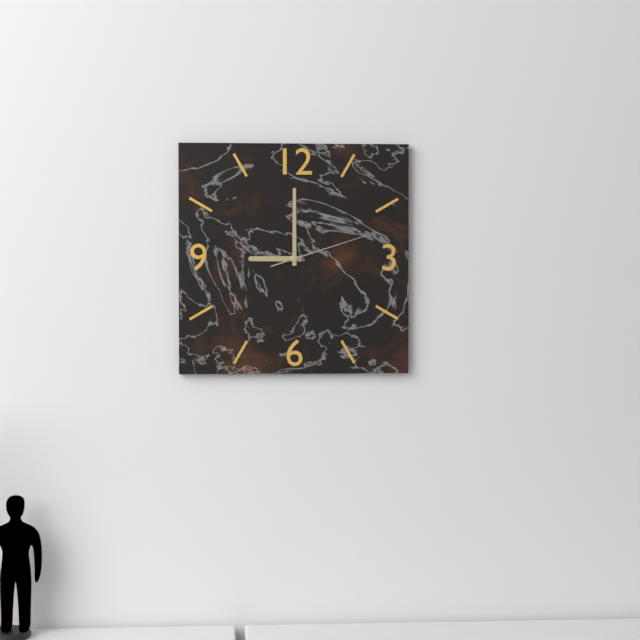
9:00:12
